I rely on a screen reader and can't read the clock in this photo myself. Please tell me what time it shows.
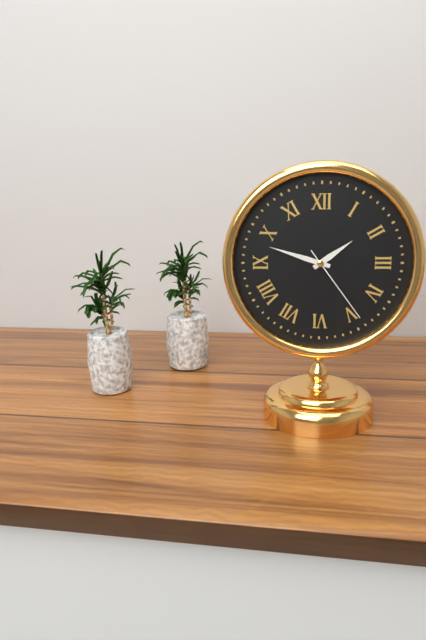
1:48:24
